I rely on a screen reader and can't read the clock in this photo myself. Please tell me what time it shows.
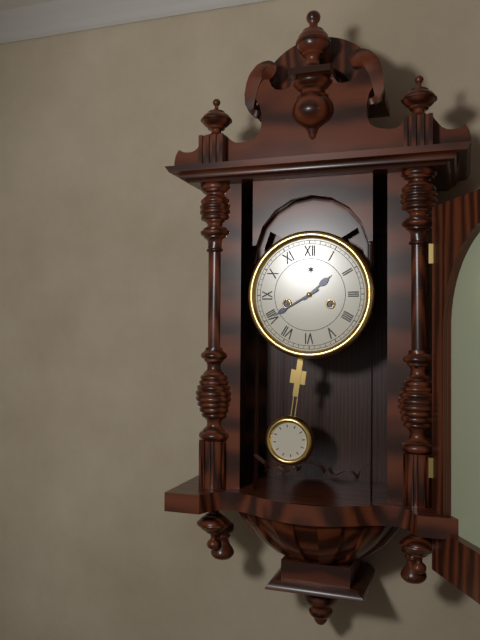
1:40
